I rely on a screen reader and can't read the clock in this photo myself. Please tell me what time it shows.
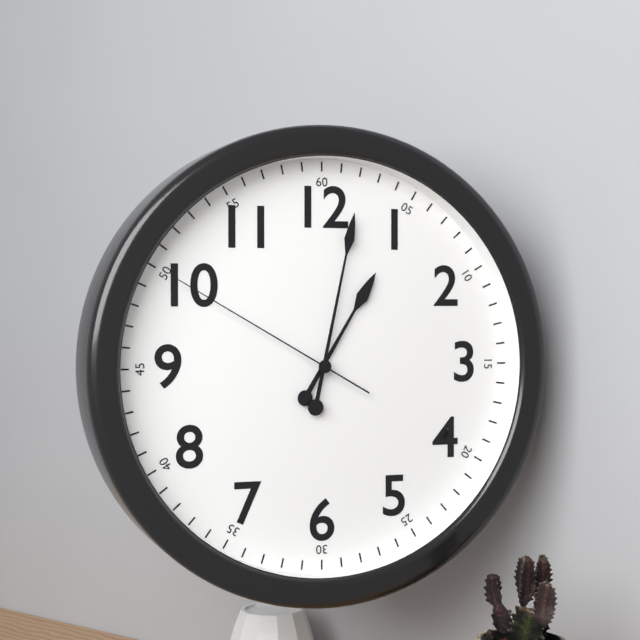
1:02:50
